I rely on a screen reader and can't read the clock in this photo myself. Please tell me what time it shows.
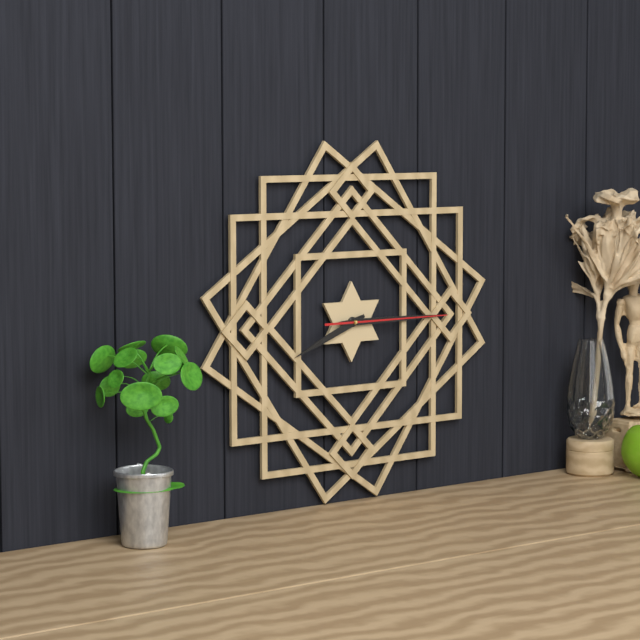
8:15:15
